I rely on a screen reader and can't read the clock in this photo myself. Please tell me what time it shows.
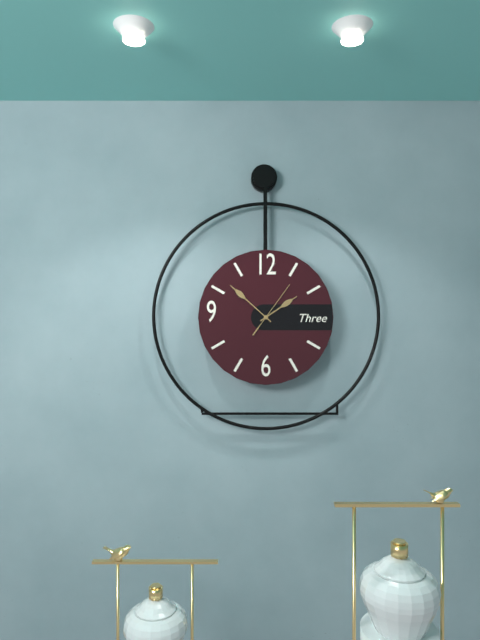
1:52:06
